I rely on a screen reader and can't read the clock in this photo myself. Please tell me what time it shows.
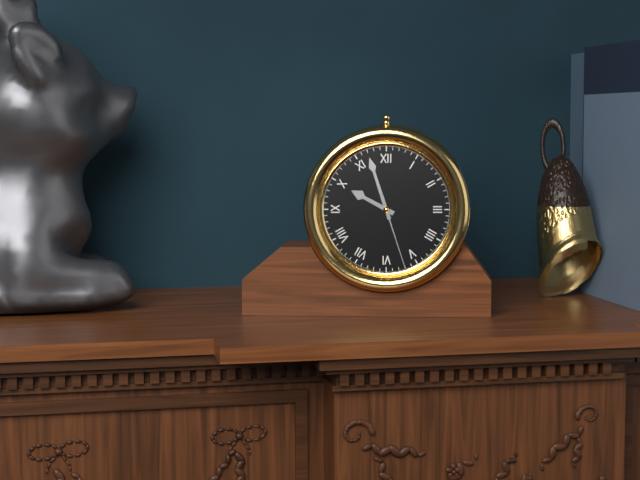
9:57:27
